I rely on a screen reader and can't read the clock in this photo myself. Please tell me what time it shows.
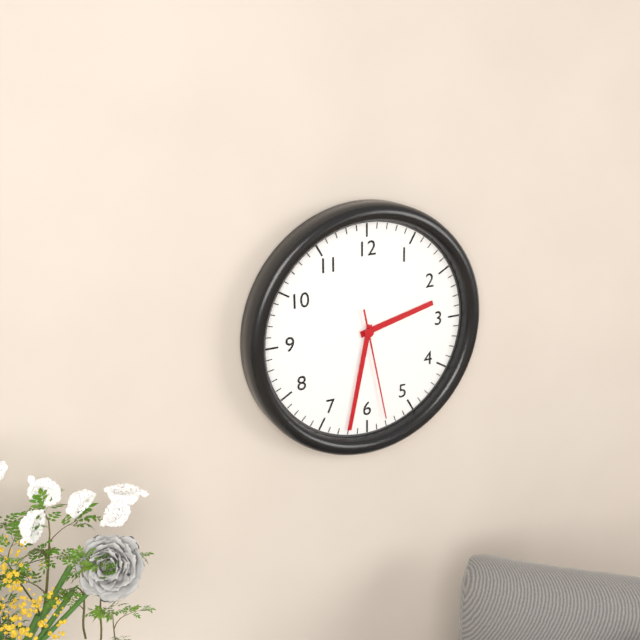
2:32:28
